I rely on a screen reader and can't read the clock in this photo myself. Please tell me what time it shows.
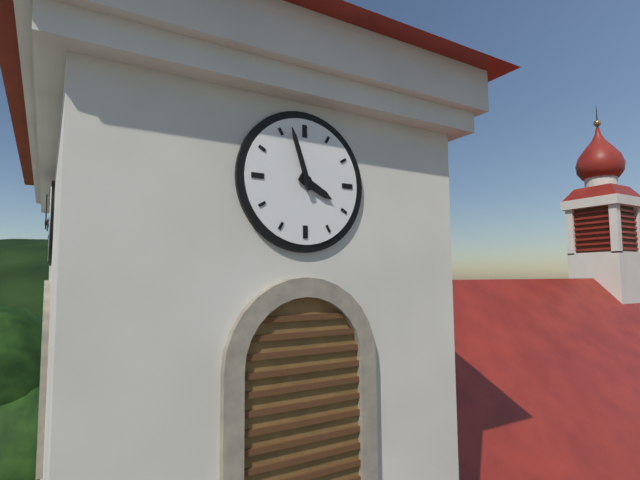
3:57
